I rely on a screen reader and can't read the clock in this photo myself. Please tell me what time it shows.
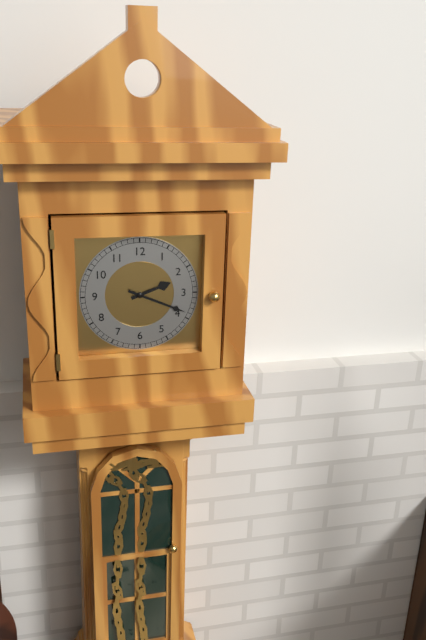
2:19
